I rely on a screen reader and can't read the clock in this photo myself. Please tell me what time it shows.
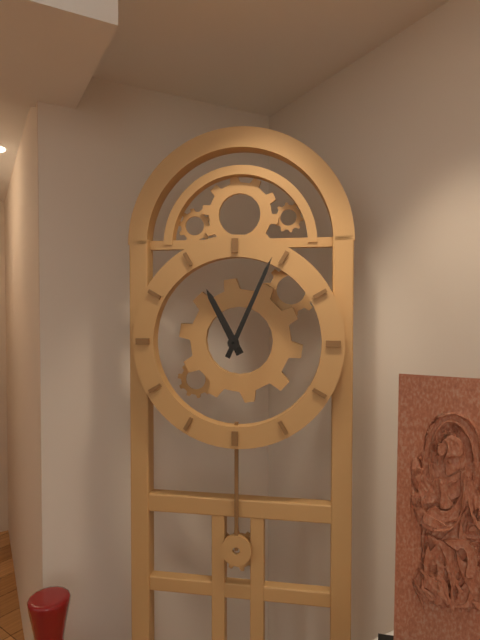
11:04
